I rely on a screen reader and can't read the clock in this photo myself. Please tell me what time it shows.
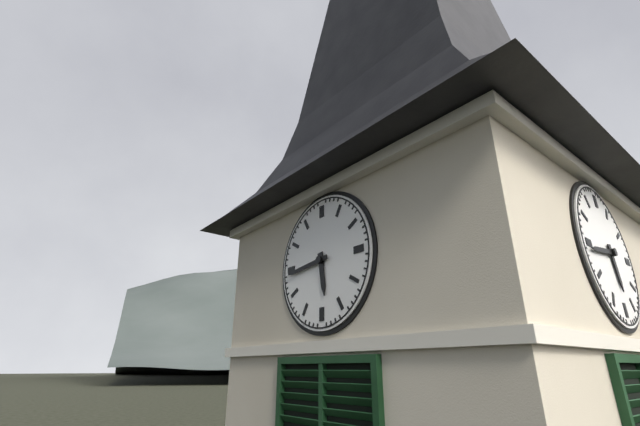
5:44
